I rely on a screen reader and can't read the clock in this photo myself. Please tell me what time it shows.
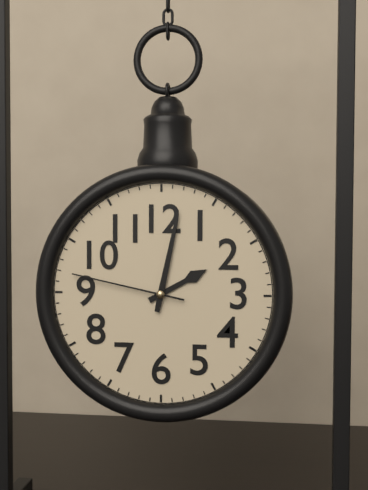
2:02:47
